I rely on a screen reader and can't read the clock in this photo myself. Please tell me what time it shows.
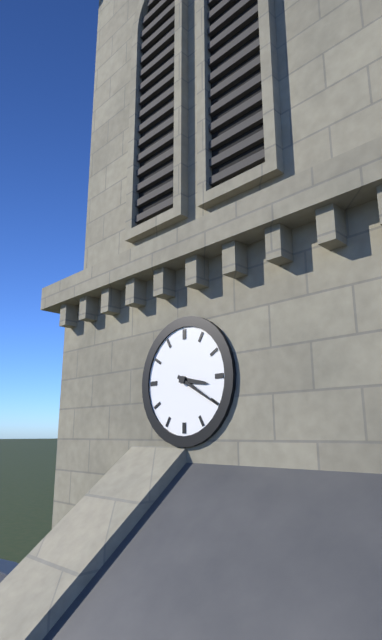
3:20
